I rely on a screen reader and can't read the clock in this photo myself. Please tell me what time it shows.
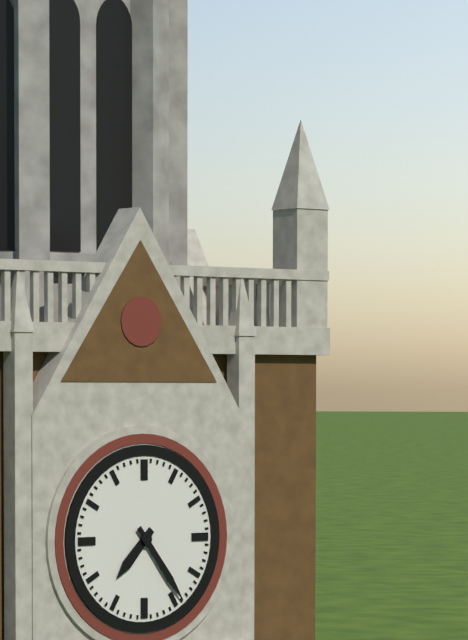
7:24
